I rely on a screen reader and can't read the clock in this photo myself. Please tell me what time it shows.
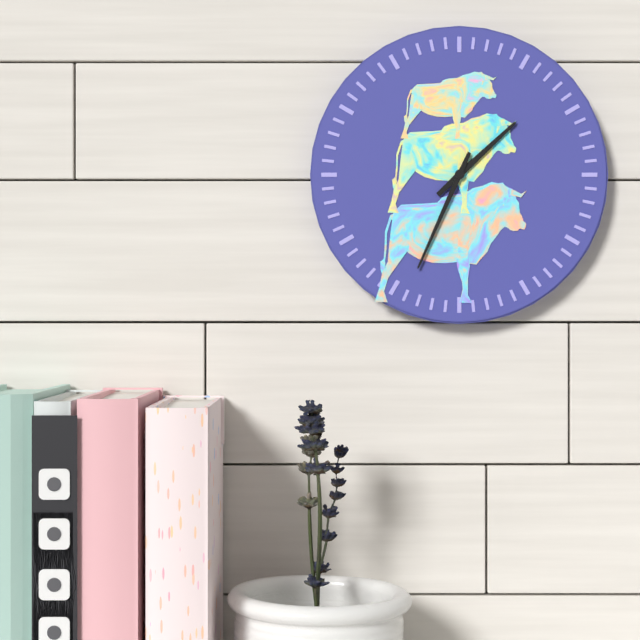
1:34
